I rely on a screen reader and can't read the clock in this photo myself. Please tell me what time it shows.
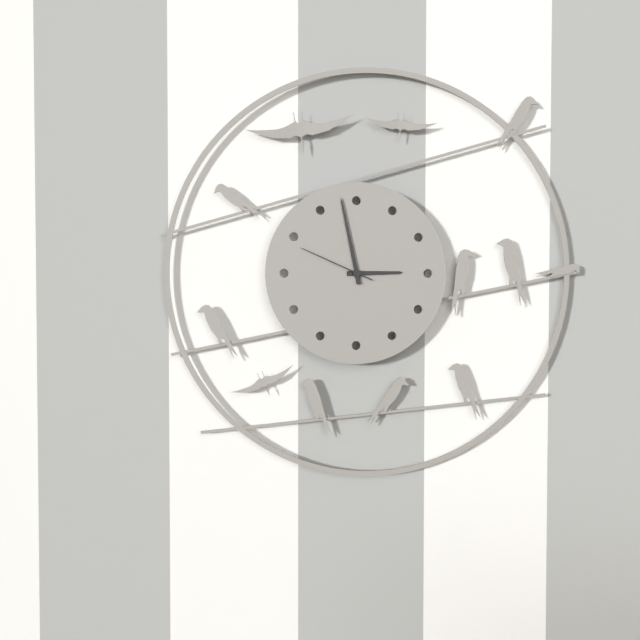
2:58:49
